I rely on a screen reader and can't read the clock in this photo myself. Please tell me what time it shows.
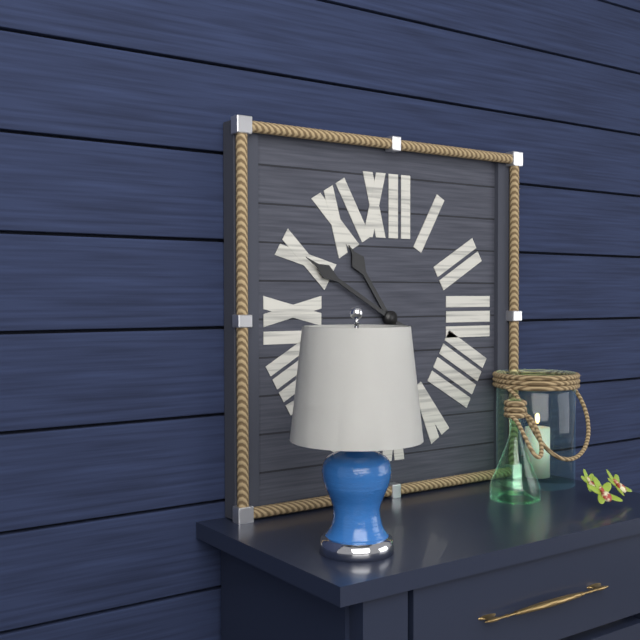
10:50
